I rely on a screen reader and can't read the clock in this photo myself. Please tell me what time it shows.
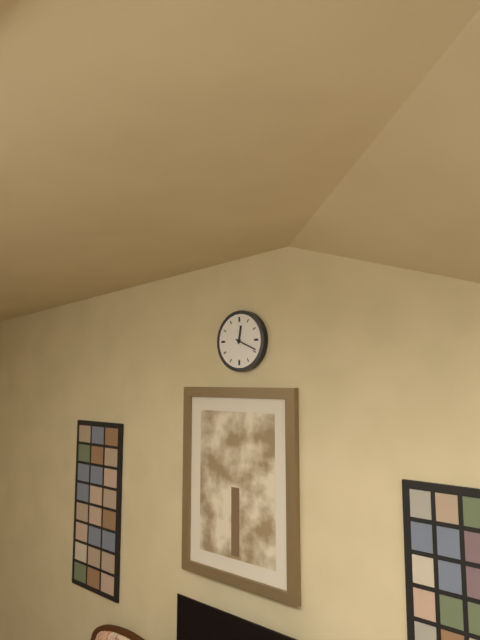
12:19
